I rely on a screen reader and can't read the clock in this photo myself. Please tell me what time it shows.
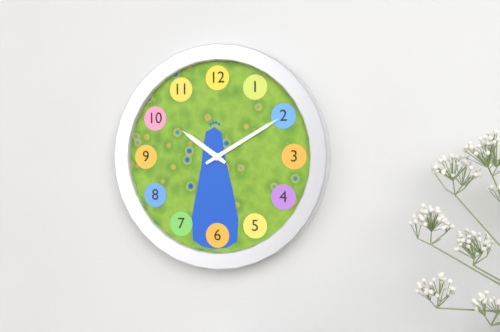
10:10
